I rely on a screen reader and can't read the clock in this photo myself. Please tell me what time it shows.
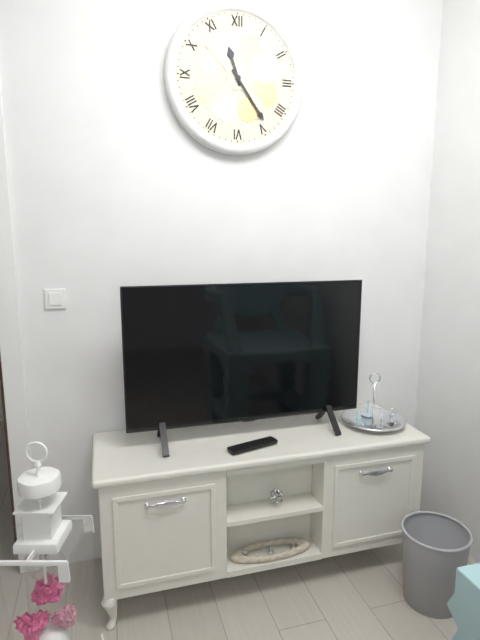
11:24
